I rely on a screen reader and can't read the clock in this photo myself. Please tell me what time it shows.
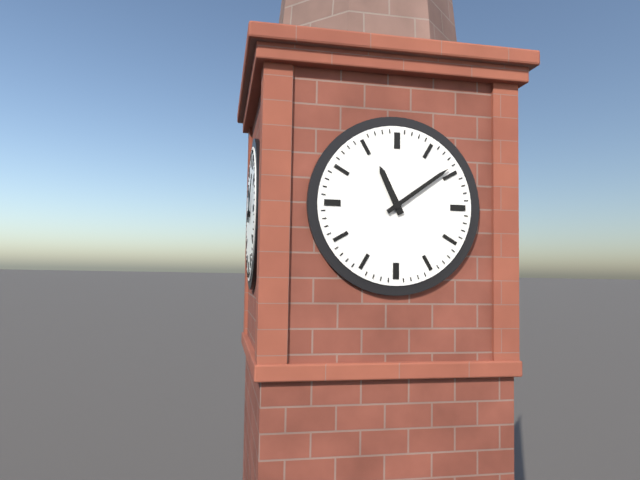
11:09
